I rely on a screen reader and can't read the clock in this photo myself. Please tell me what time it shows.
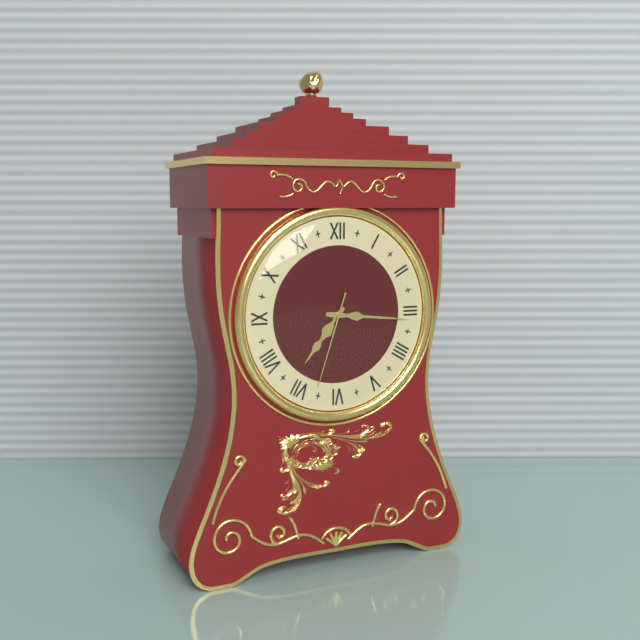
7:16:33
